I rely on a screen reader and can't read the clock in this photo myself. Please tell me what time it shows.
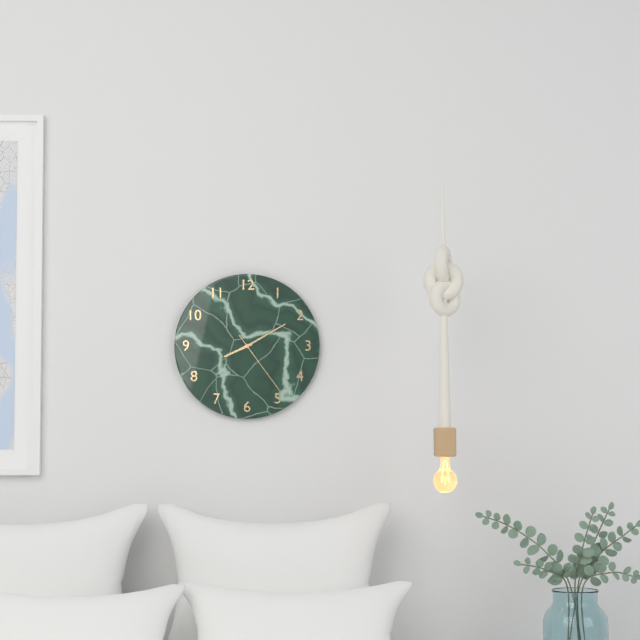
8:10:24
